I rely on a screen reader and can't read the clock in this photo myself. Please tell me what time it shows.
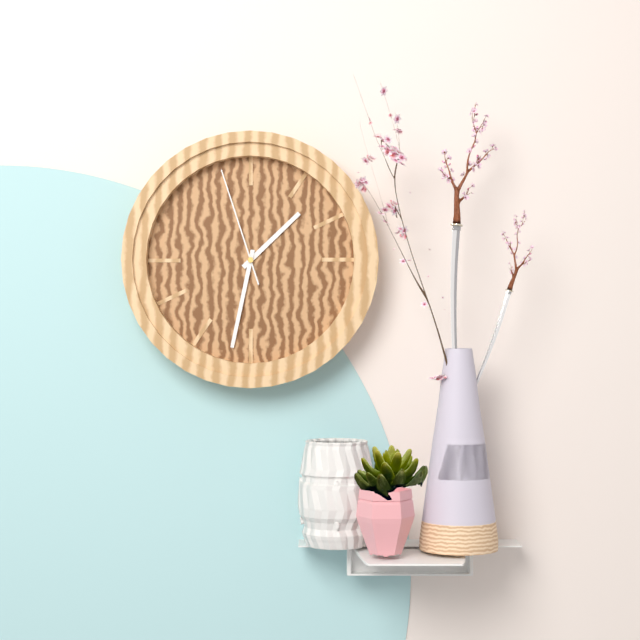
1:32:57
